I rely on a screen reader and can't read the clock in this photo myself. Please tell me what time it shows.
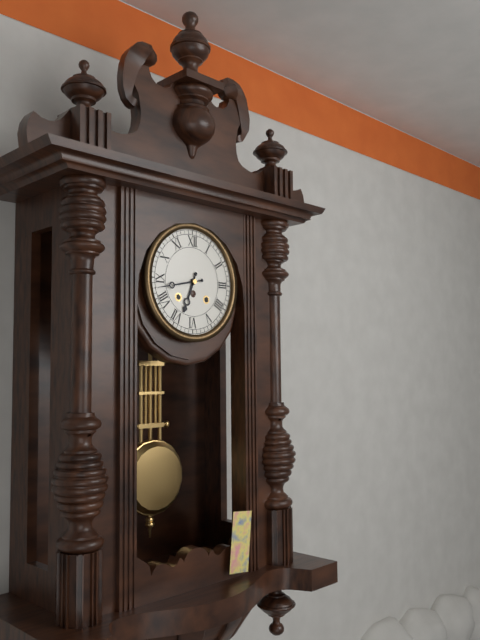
6:43
